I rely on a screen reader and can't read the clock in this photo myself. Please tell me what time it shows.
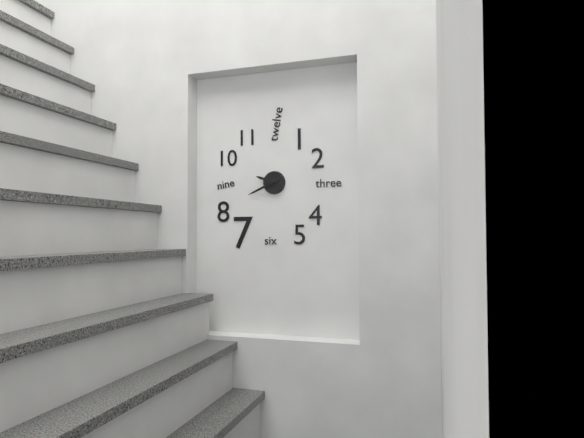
9:41
